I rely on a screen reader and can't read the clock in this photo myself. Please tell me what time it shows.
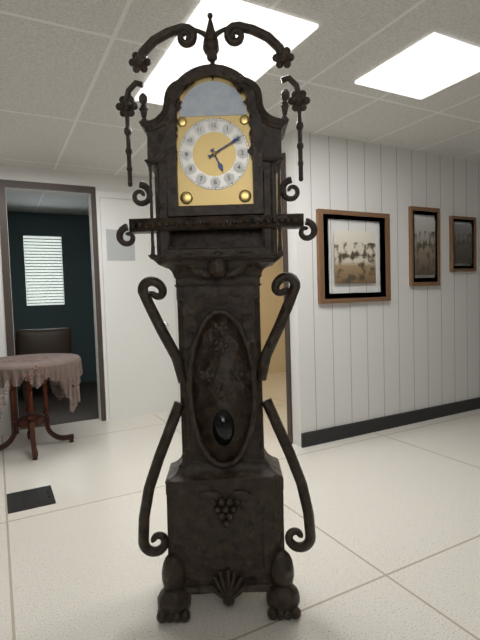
5:10
